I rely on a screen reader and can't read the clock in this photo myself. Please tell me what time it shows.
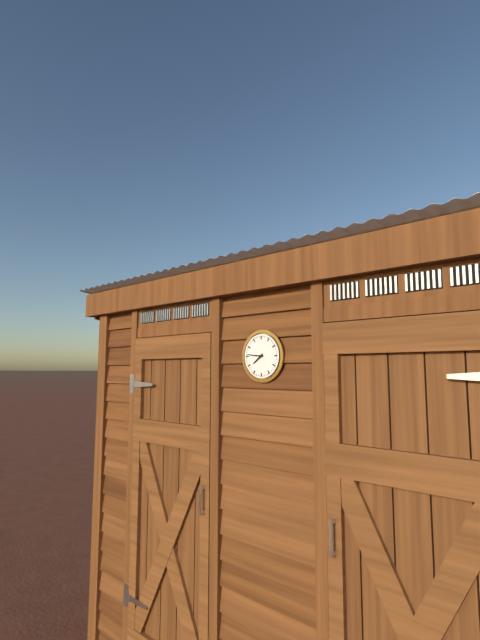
7:46
